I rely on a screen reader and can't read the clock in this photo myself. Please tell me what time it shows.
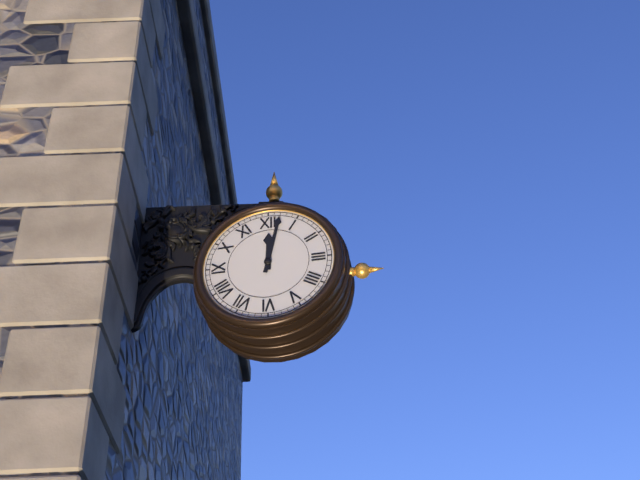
12:02
